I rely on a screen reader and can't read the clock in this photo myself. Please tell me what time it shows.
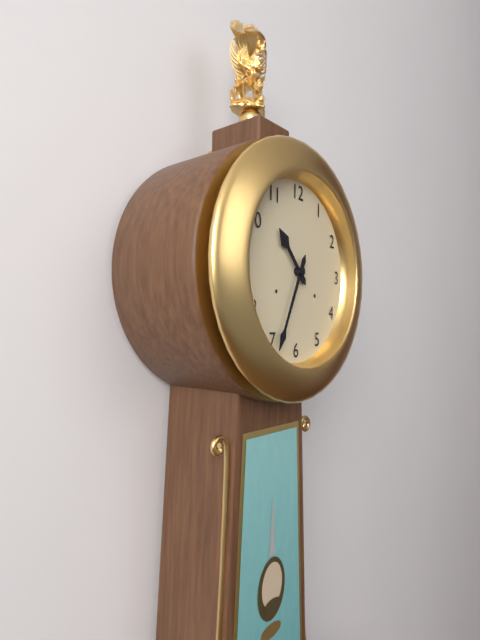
10:34
